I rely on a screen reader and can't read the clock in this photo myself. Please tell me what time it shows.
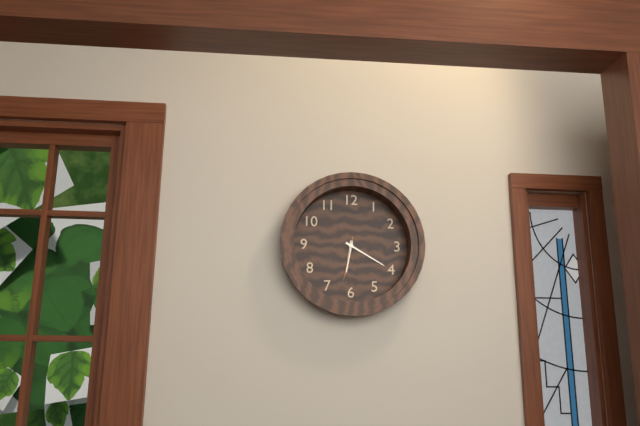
6:20
